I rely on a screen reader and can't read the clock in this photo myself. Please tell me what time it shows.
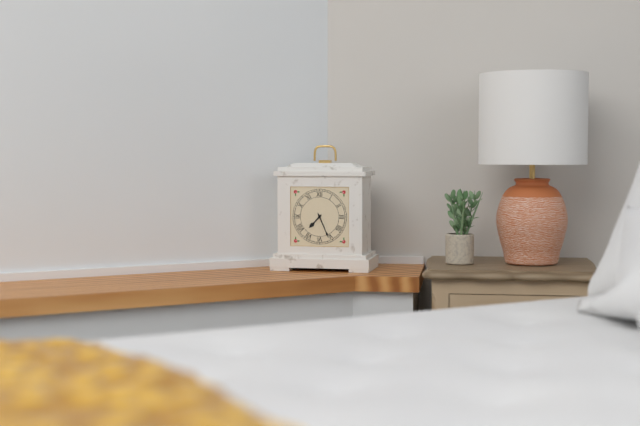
7:26
